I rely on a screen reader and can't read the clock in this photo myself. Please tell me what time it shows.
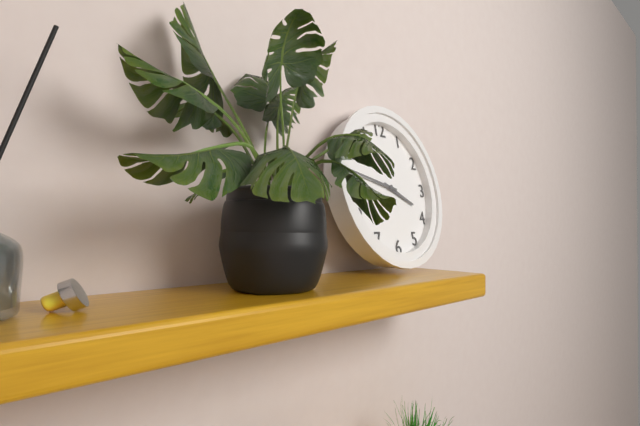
3:47
